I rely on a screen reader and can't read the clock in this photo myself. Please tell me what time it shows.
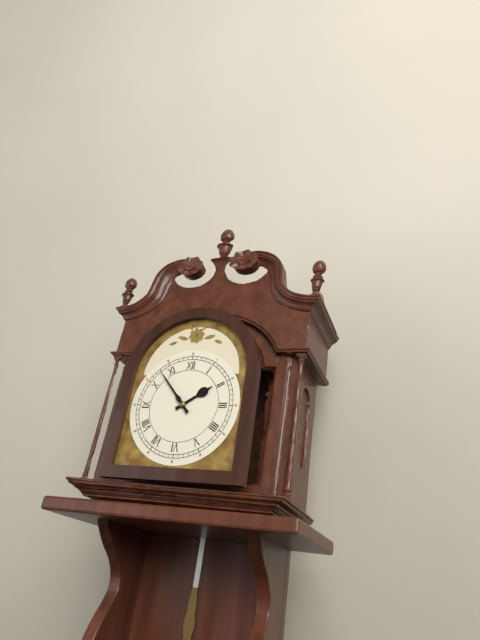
1:53
